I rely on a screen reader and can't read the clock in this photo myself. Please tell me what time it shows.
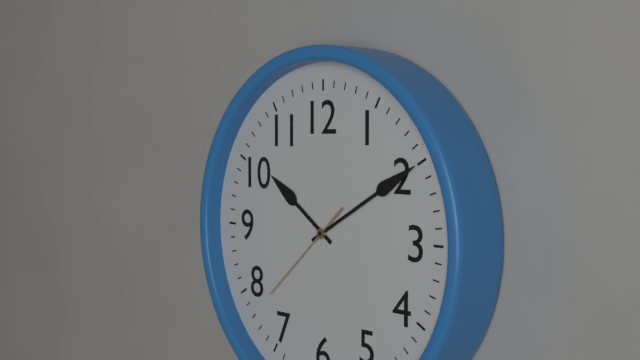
10:10:38
